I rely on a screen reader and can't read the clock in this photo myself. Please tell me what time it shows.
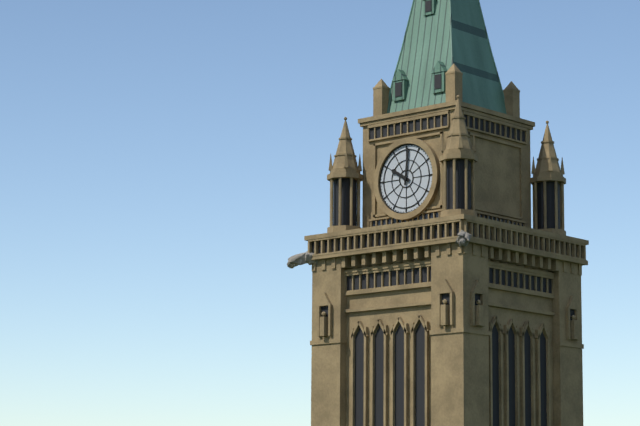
10:01
